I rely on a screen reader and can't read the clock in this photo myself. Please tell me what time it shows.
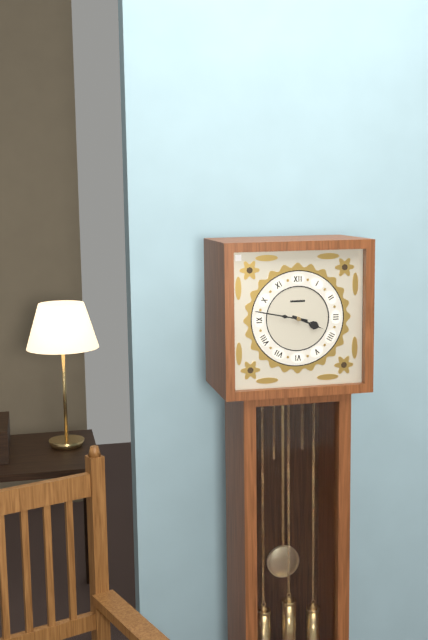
3:47
